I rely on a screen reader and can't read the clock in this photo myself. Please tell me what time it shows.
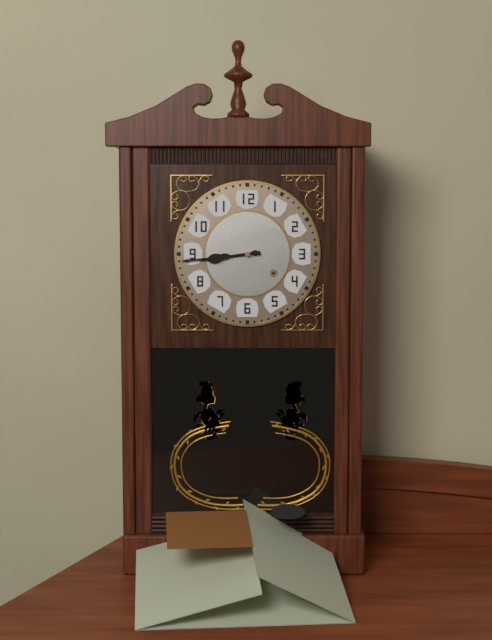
8:44
